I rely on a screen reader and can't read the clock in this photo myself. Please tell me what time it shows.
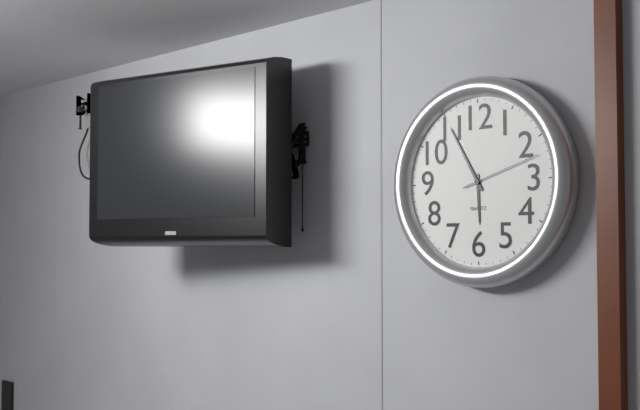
5:55:12
